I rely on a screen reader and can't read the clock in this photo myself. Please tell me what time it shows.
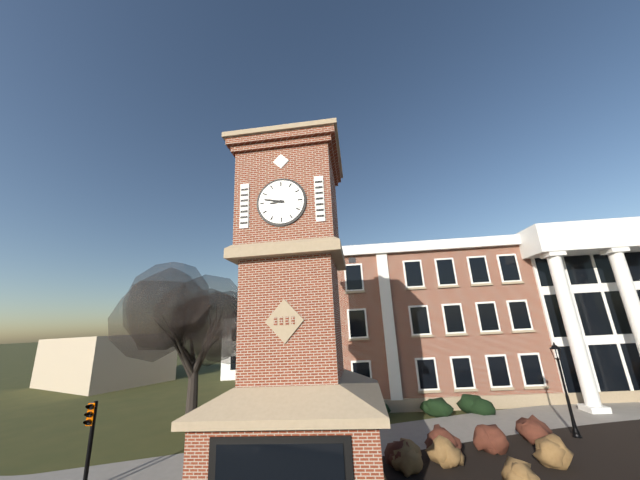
8:47
